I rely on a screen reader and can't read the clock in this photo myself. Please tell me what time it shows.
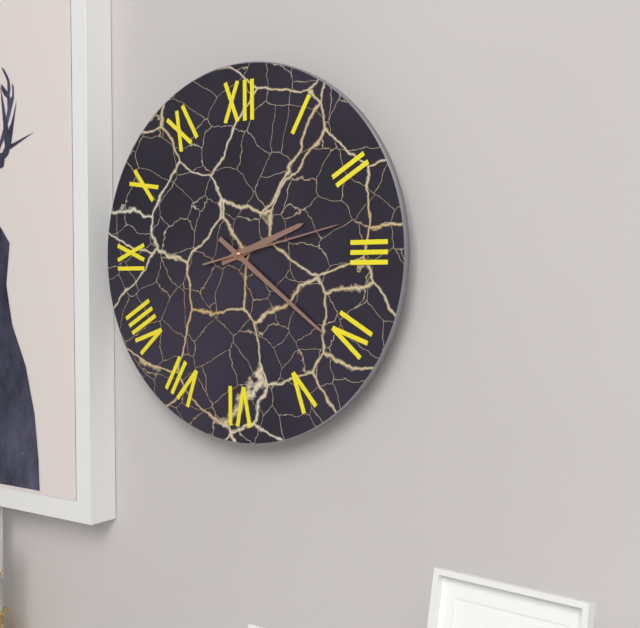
2:21:13
